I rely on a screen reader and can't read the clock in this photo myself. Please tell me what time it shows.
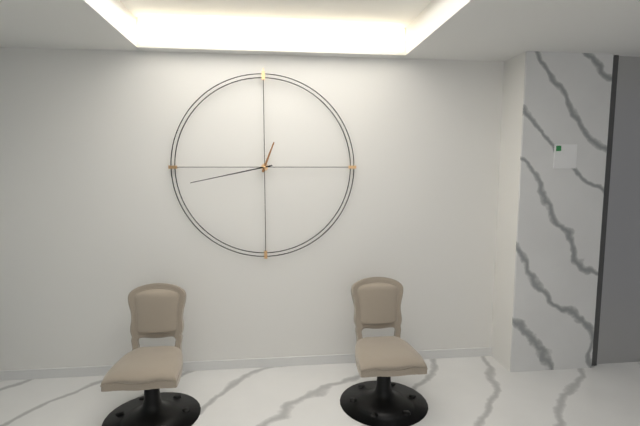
12:43
